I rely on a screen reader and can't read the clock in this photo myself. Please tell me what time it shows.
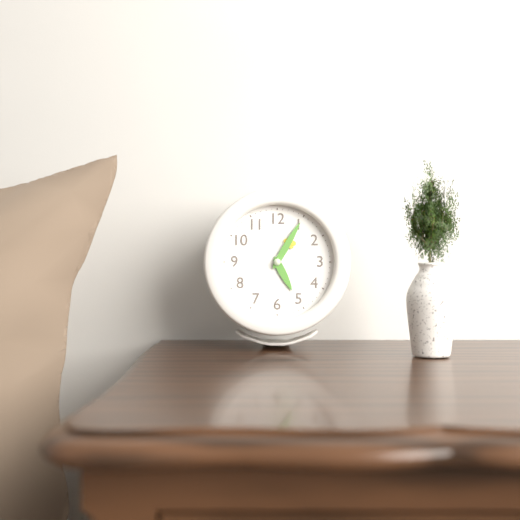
5:05
